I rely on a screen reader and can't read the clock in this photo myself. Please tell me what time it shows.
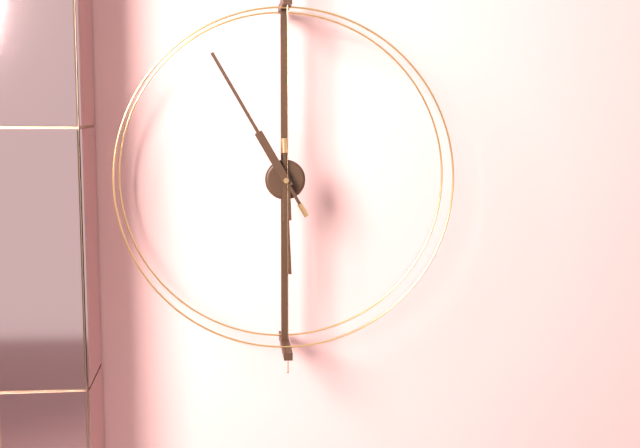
5:55
